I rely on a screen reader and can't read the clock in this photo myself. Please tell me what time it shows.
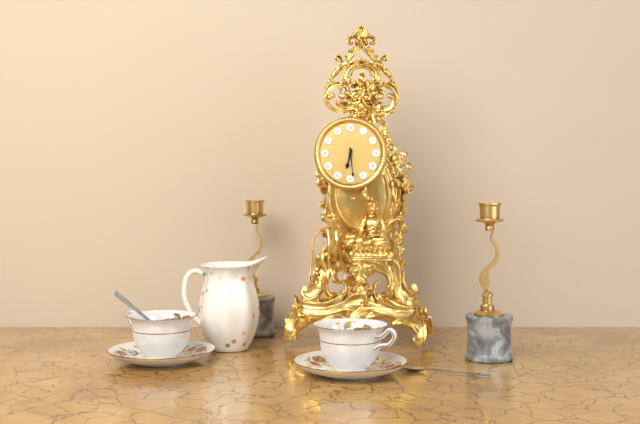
6:29
